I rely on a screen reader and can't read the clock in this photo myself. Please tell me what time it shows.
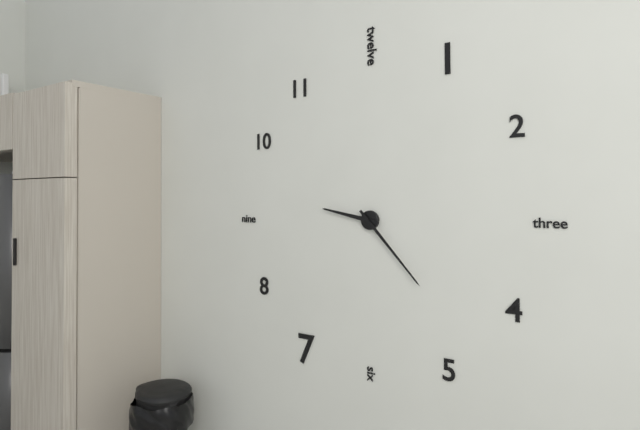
9:23
